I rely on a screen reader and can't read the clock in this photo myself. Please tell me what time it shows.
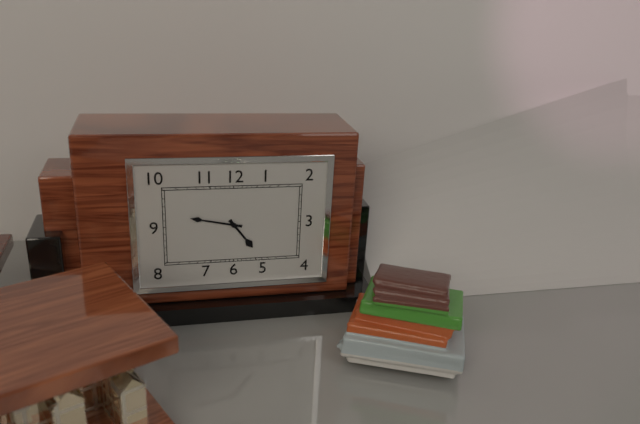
4:47
